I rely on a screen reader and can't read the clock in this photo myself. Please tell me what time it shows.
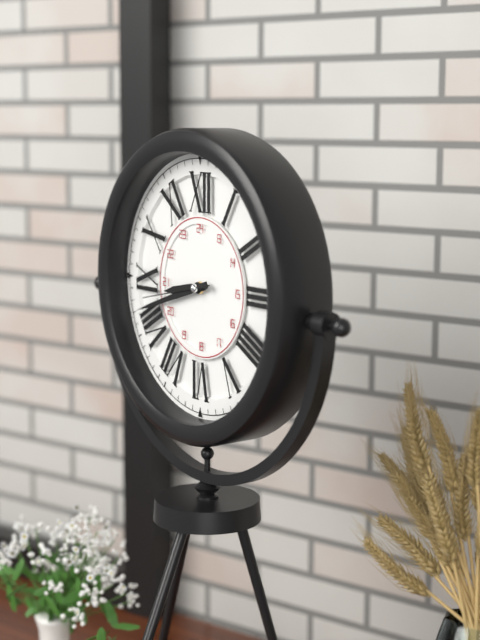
8:42:43
